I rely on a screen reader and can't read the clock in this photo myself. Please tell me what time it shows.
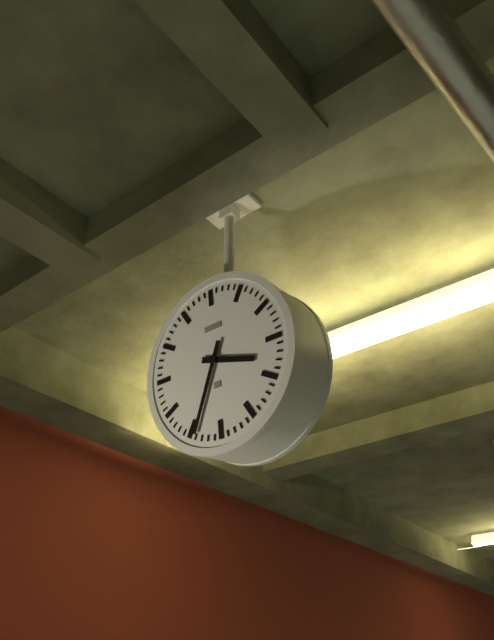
3:34
